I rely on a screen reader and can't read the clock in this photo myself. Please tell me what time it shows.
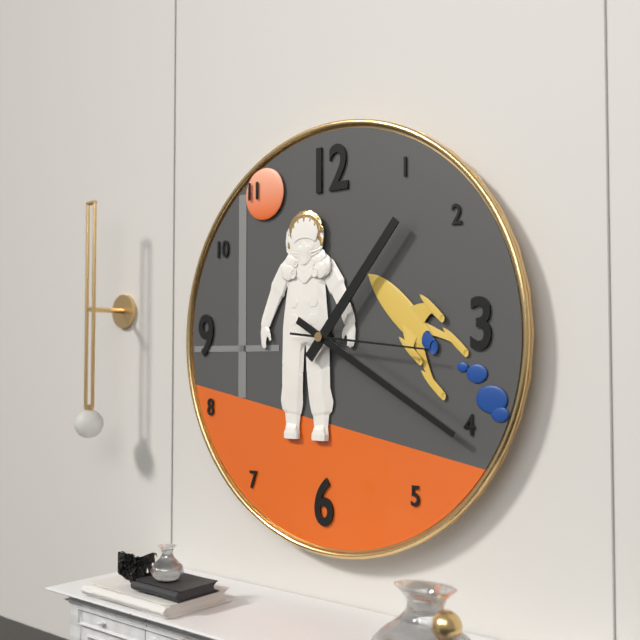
1:20:16
